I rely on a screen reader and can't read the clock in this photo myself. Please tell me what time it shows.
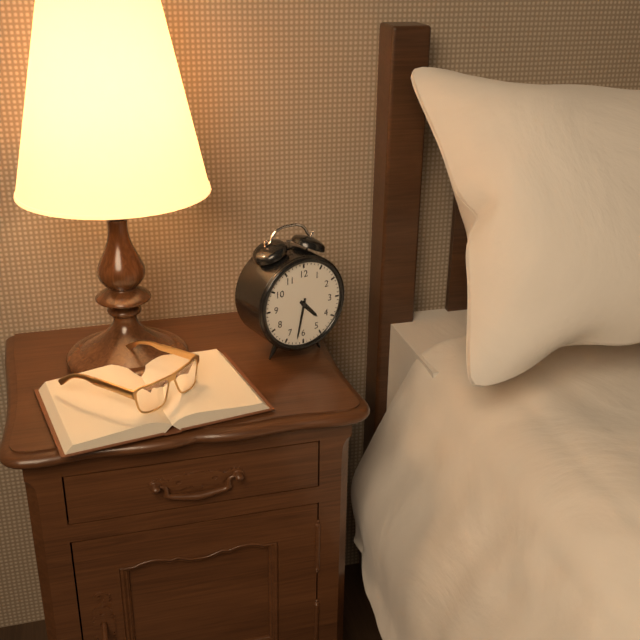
4:32
